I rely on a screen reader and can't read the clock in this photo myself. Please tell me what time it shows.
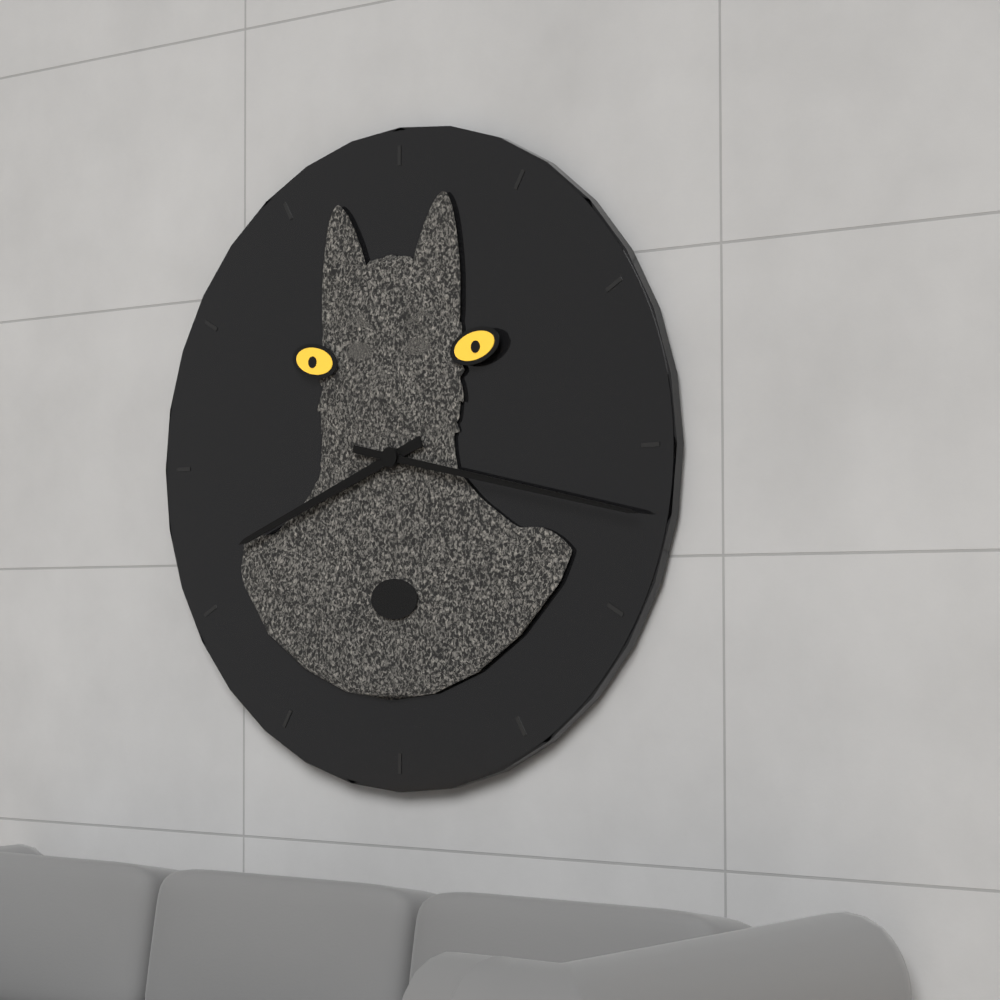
8:17
